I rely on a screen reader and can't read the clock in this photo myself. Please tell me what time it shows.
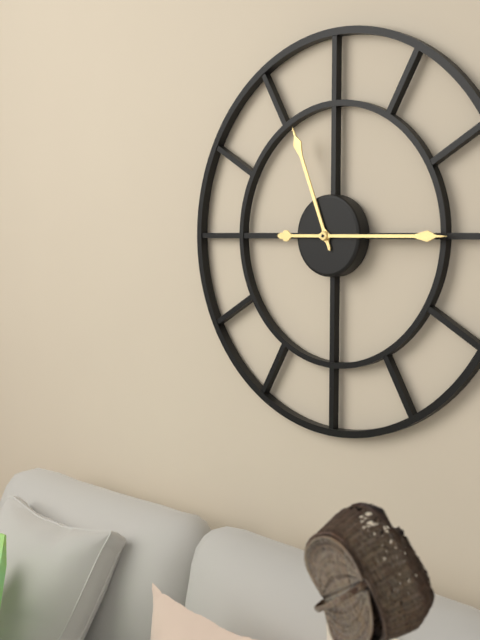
11:15
